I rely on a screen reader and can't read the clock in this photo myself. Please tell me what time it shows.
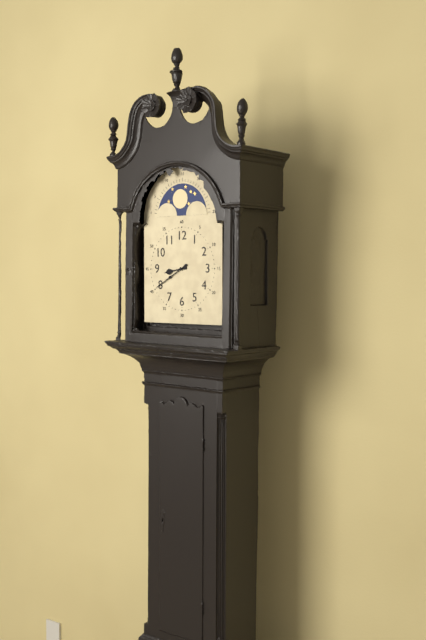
8:40
